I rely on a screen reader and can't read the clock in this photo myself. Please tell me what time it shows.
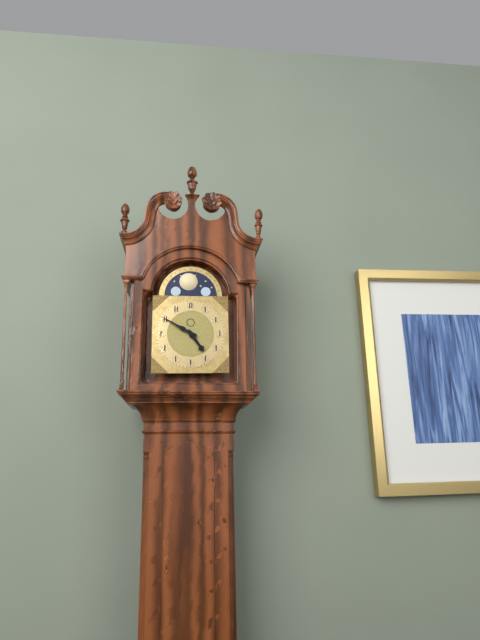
4:50
